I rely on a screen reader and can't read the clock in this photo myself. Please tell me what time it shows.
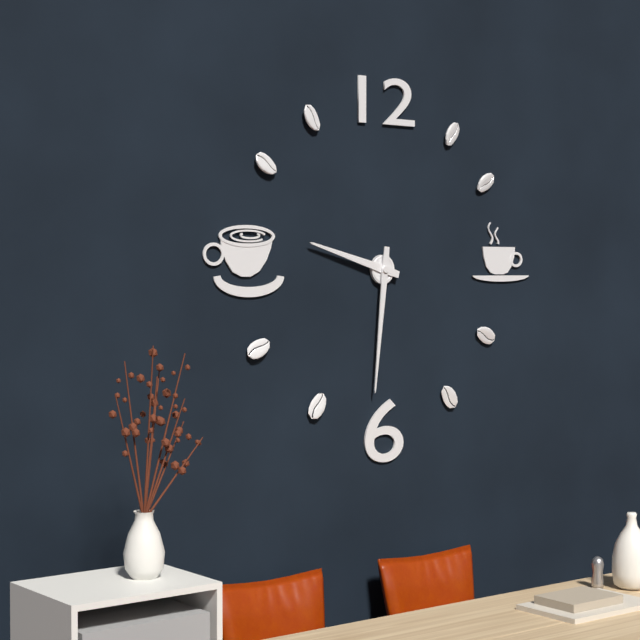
9:31
